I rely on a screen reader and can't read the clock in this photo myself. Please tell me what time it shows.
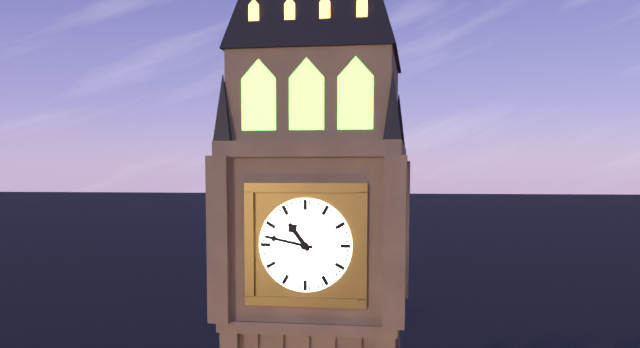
10:47
